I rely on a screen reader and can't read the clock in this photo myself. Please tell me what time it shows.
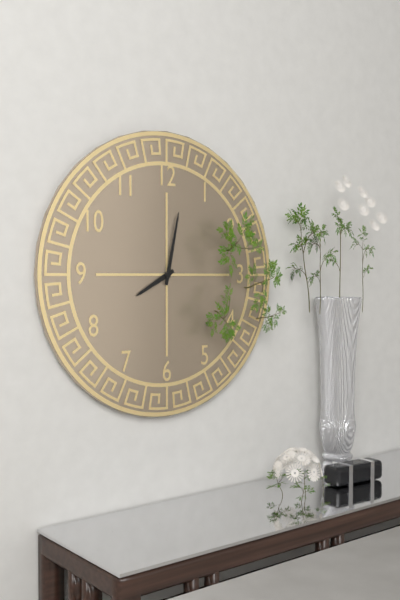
8:02
